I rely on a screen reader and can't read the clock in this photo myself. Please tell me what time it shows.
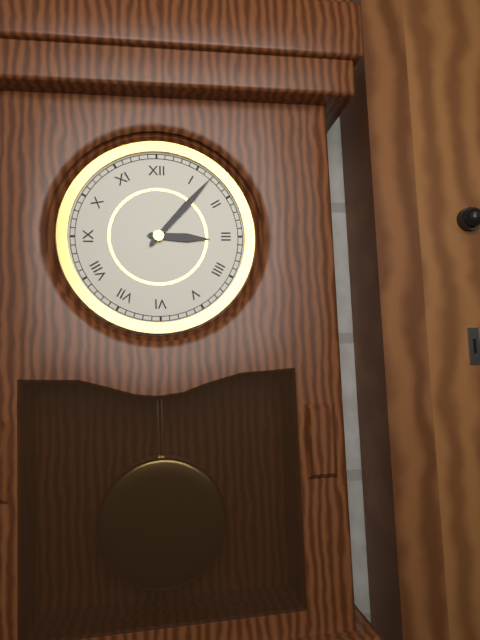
3:07
